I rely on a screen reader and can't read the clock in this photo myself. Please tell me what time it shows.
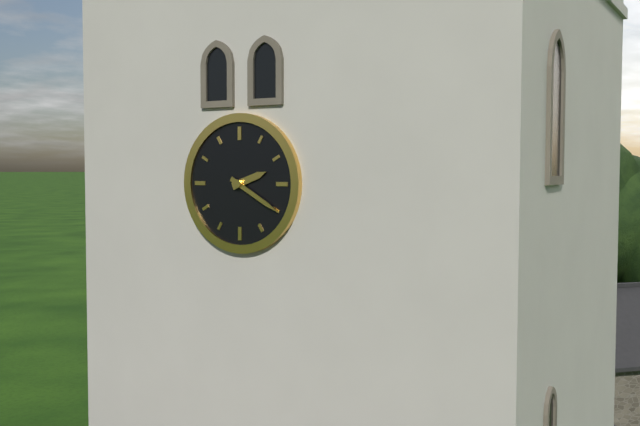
2:20
